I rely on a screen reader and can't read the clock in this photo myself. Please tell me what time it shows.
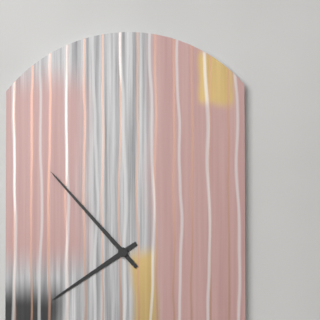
7:53
